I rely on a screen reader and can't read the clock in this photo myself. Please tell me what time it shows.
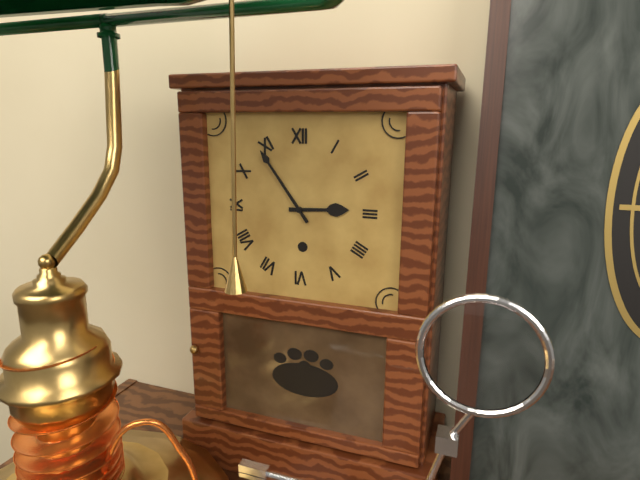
2:54
